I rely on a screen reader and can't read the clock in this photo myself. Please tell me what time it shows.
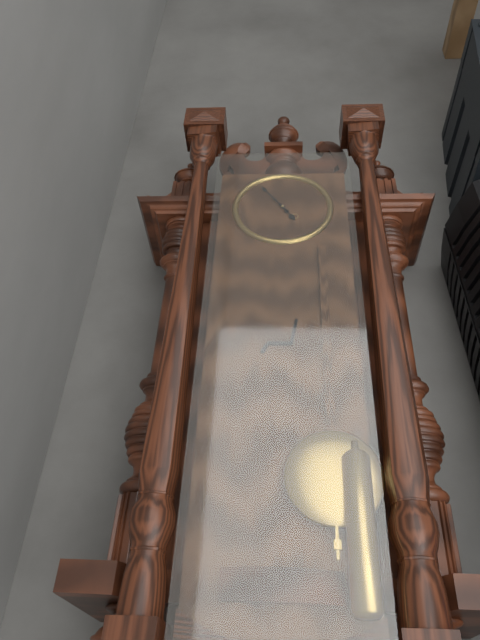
4:54
